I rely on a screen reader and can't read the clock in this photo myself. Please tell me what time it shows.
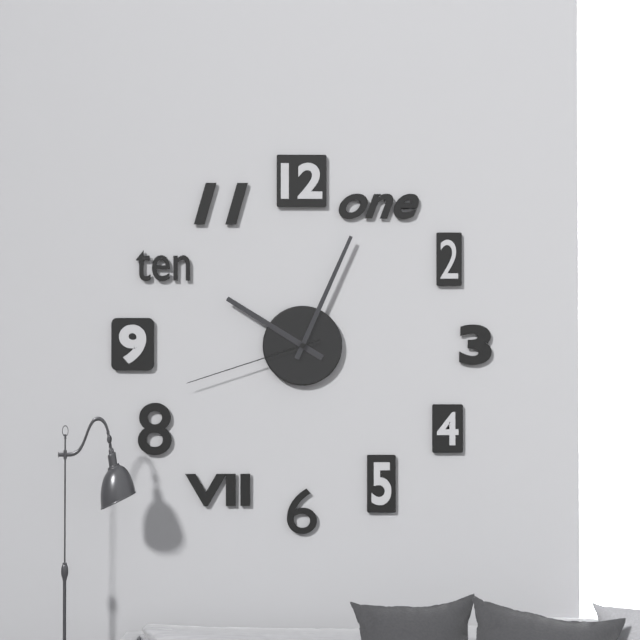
10:04:42
